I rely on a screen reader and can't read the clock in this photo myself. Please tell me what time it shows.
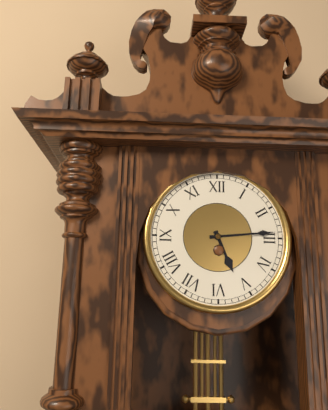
5:14
